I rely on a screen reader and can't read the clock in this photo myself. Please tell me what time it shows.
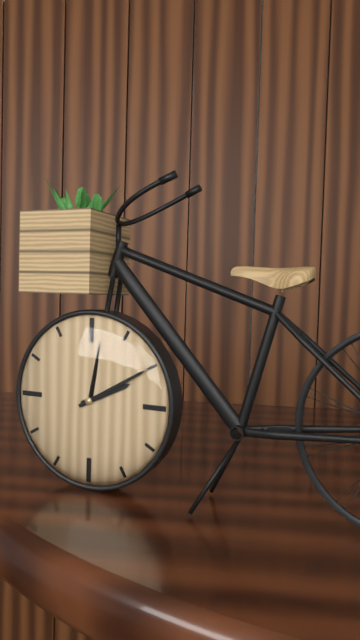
2:10
